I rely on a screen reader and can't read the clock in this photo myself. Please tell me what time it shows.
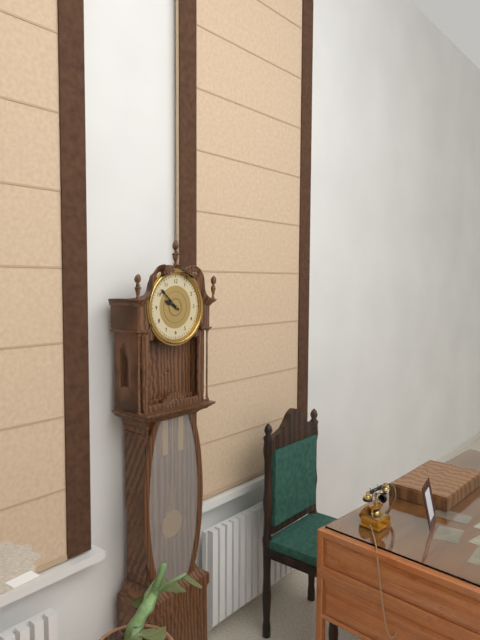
9:52
